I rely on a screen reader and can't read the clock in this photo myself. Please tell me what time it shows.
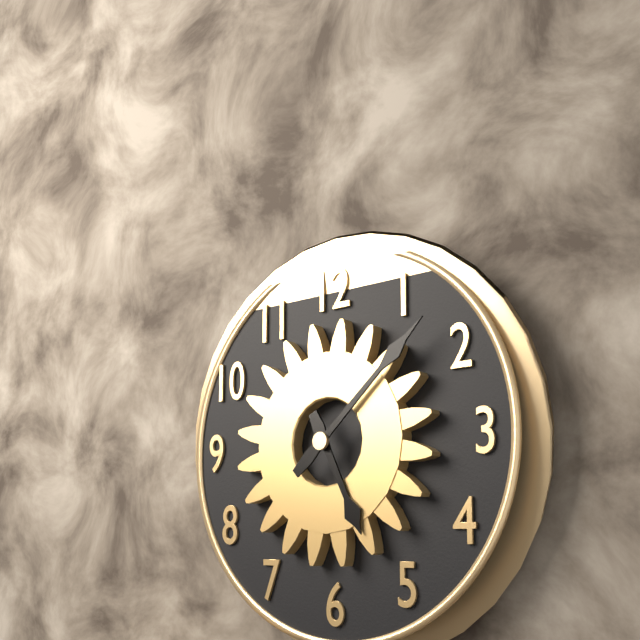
5:08
